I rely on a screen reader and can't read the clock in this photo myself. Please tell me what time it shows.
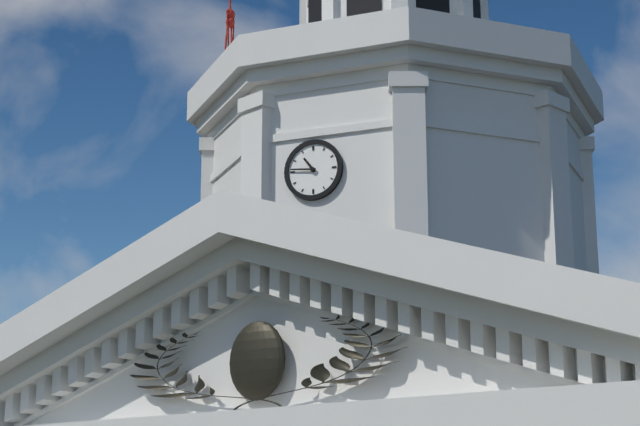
10:46
